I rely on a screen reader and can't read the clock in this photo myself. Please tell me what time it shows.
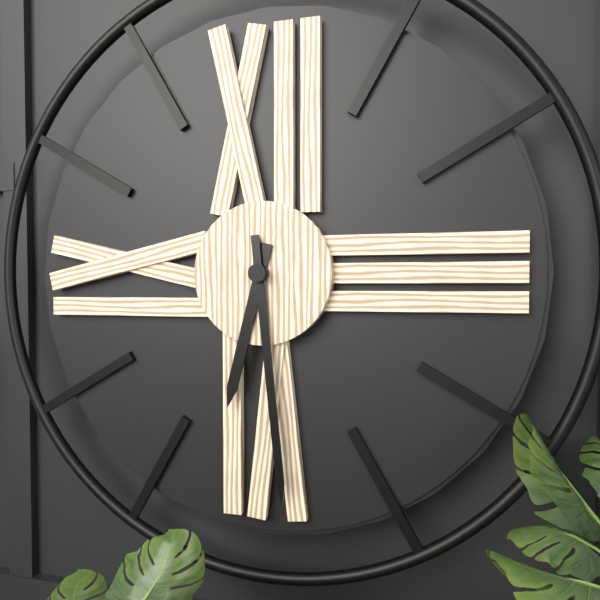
6:29
